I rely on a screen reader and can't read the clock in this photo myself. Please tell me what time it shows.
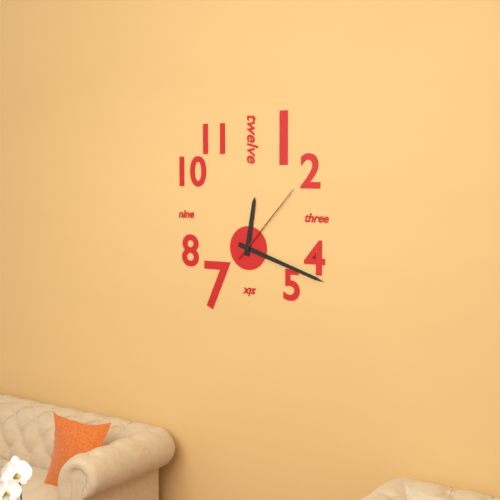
12:18:07
